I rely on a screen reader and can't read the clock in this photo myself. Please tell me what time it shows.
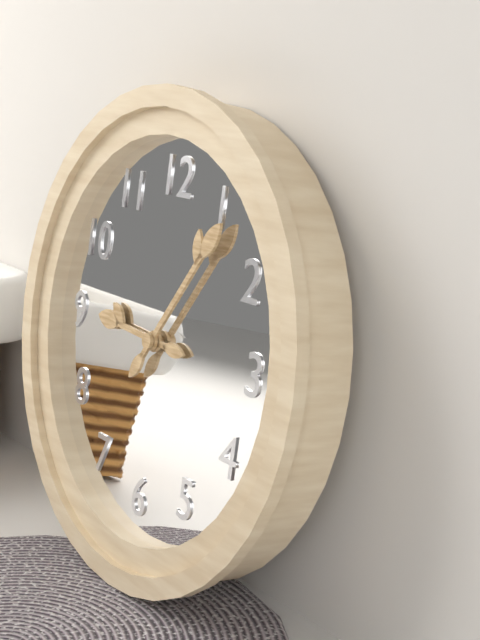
9:06
